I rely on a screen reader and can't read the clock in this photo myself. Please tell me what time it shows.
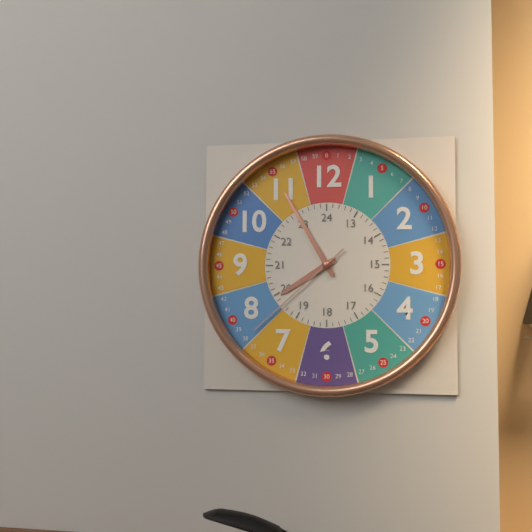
7:55:38
